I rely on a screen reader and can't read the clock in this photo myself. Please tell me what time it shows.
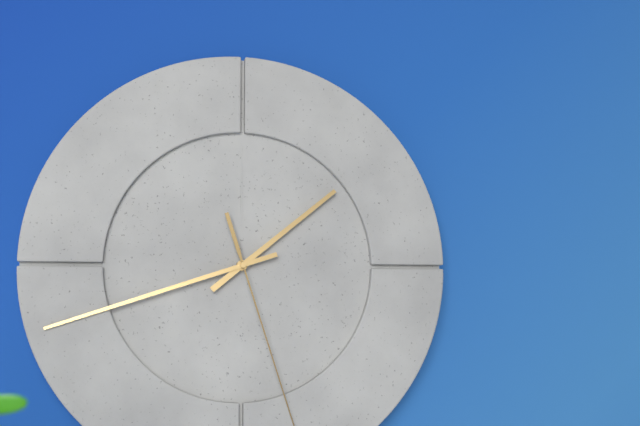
1:42
